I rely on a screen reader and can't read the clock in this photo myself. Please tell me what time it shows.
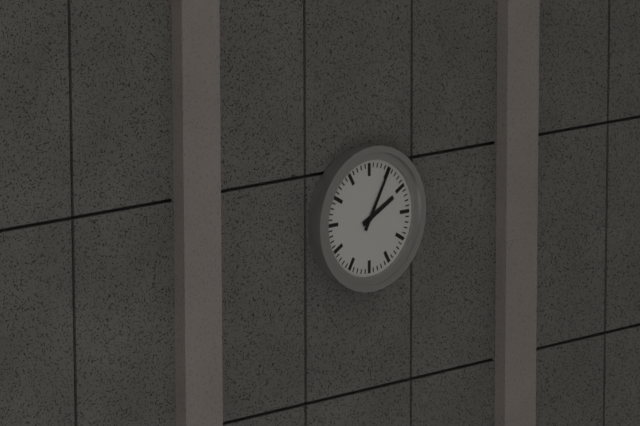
2:05
